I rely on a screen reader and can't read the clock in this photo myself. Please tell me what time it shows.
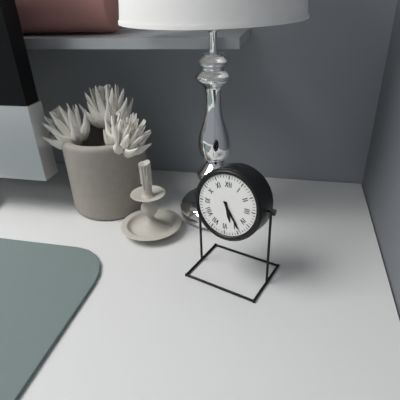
5:24
